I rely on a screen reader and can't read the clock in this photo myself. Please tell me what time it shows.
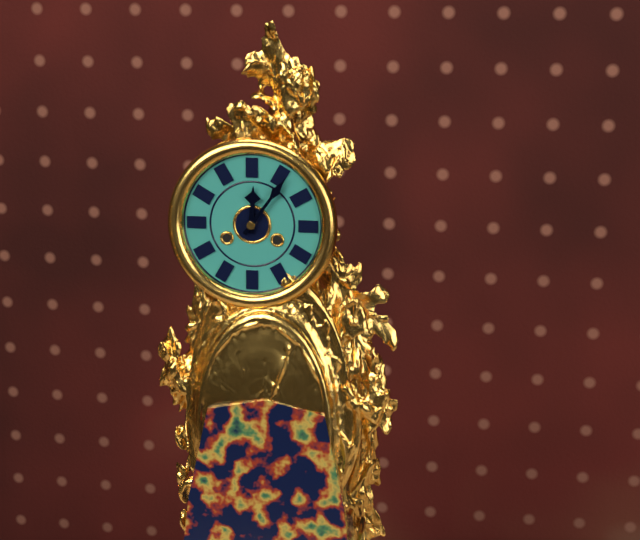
12:06
